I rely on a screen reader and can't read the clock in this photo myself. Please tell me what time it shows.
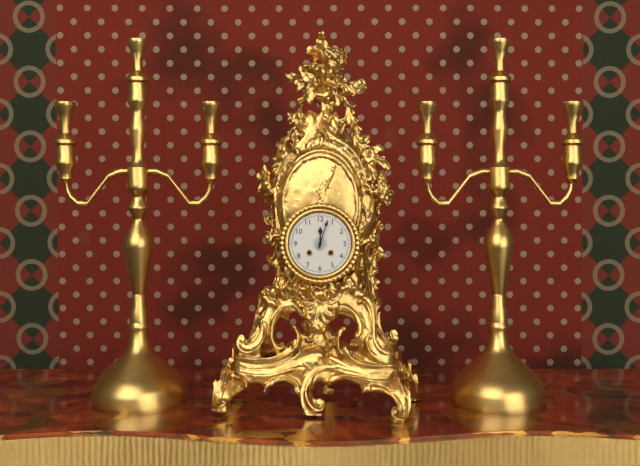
12:03
